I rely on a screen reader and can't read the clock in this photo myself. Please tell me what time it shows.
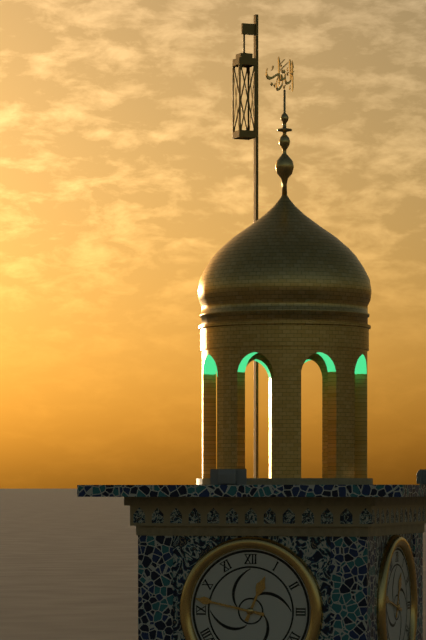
12:47
